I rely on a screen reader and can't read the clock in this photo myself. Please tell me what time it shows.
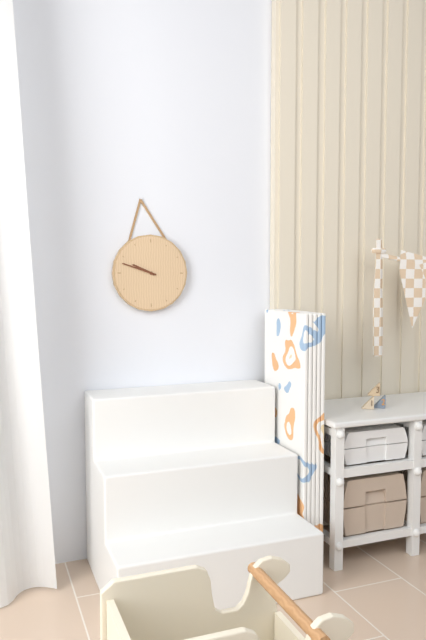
9:48
